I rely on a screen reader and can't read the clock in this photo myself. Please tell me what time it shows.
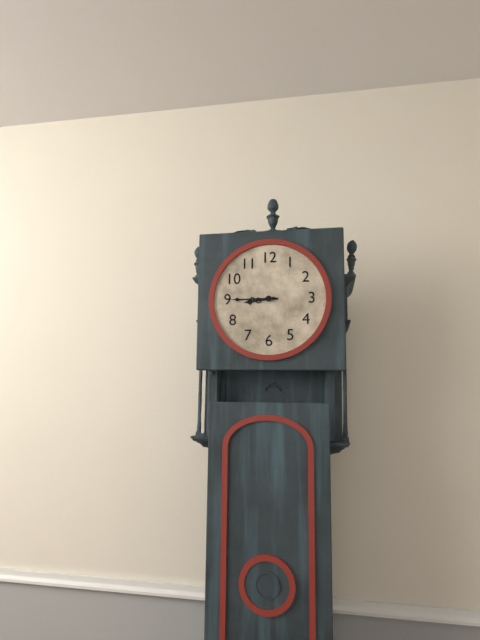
8:45
